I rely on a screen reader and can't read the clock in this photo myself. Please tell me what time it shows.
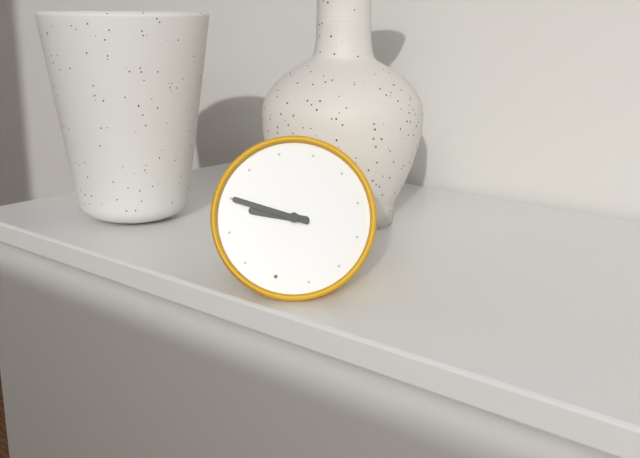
8:45
